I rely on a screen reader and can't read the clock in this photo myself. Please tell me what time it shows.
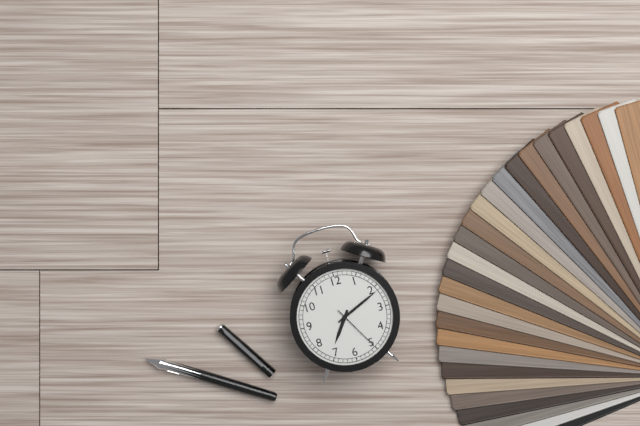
7:11:25
